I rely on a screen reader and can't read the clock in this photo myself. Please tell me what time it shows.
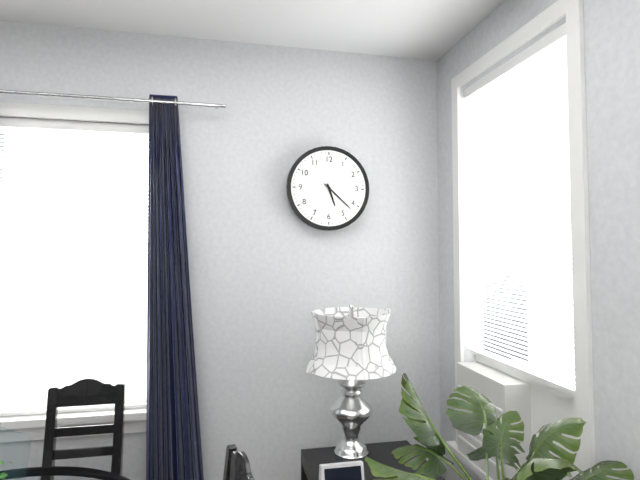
5:22
